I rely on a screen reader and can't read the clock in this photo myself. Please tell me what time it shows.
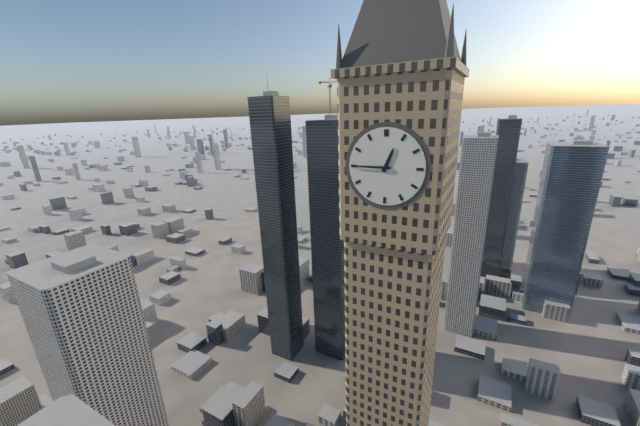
12:45
